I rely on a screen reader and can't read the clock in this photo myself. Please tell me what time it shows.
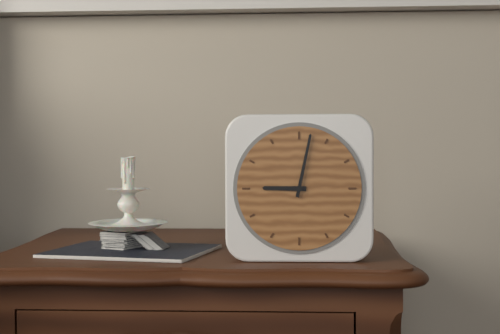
9:02
